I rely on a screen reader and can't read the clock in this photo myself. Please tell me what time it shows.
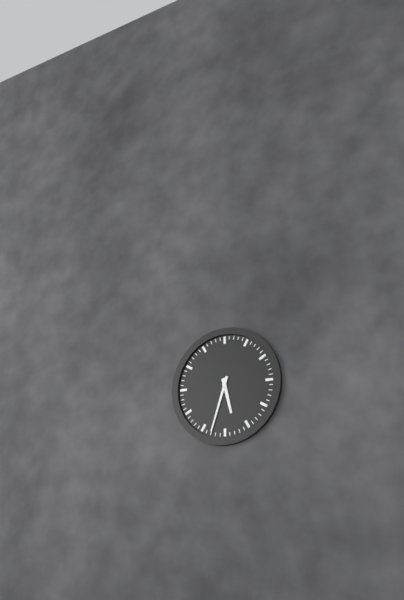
5:33
